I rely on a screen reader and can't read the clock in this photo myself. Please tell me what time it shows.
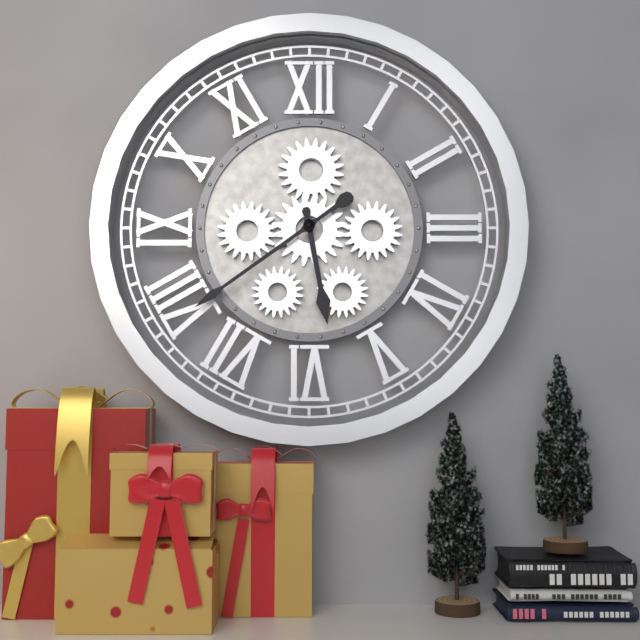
5:39
